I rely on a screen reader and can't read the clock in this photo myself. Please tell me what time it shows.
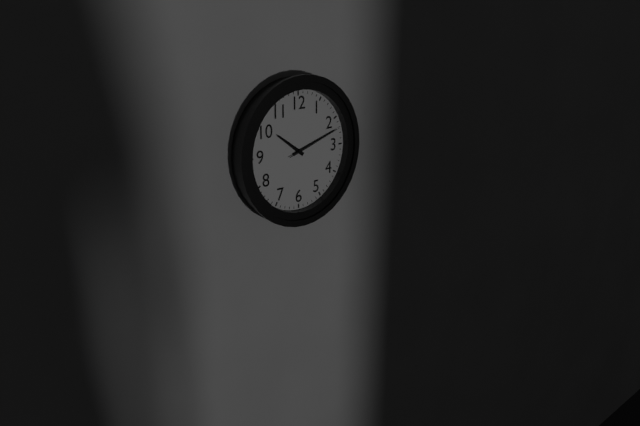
10:12:12
